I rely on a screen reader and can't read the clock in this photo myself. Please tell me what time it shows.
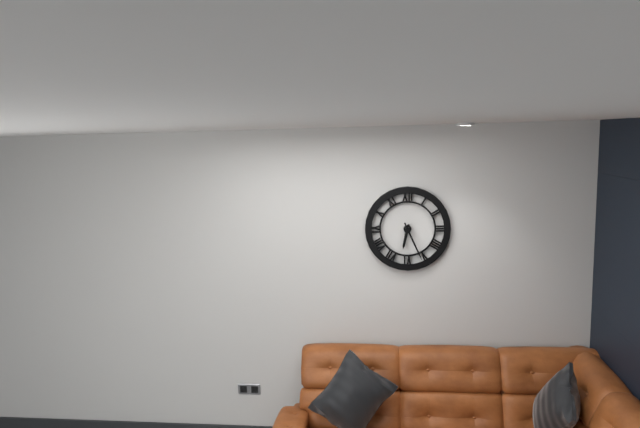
6:26
